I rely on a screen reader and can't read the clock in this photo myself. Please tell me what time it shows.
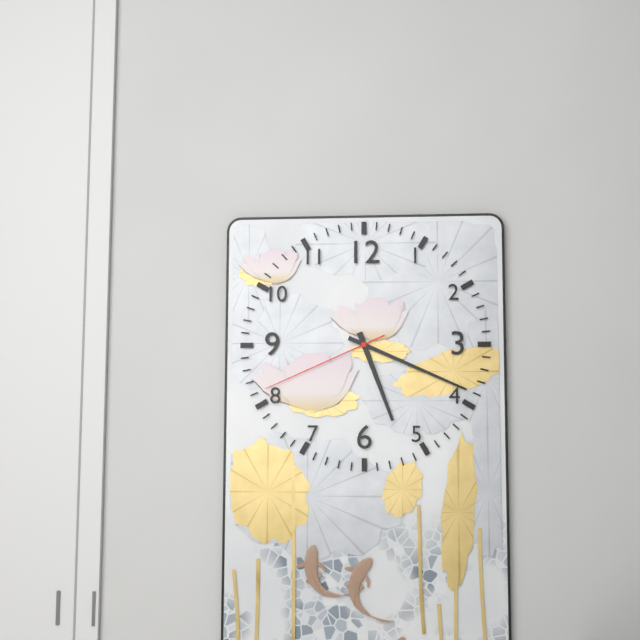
5:19:41
